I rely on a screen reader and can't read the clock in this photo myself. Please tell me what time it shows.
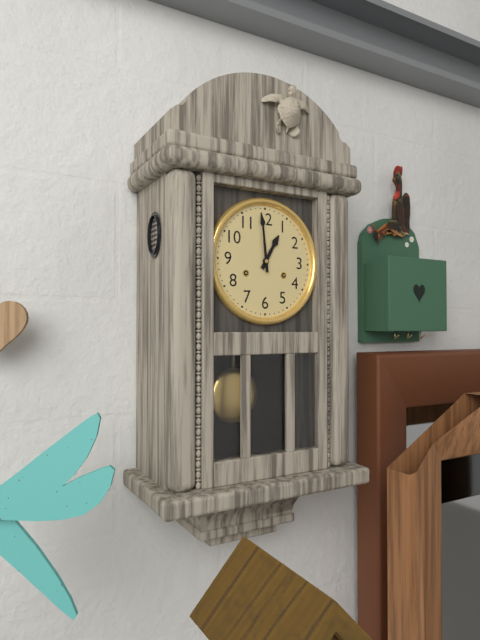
12:59
